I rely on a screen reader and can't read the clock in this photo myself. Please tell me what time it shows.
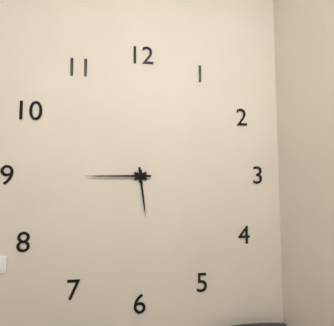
5:45
